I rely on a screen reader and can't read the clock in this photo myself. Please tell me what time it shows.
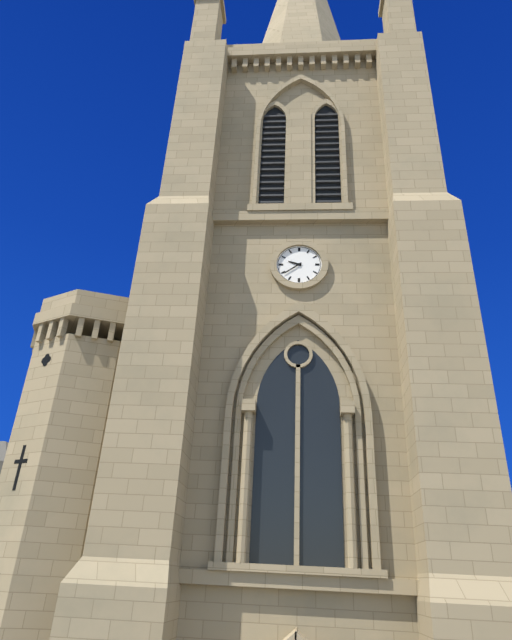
9:39
